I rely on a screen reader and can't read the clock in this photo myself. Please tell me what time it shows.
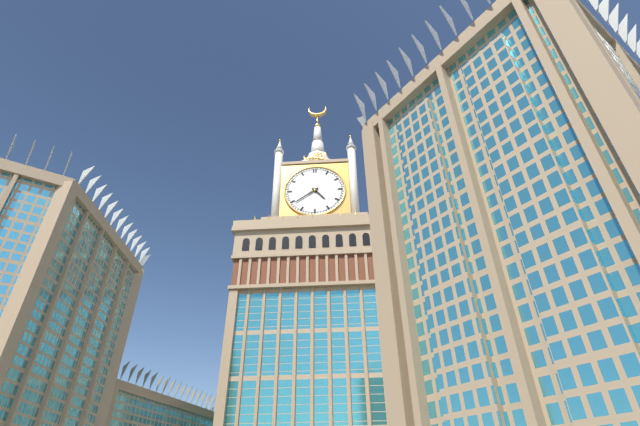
4:39
